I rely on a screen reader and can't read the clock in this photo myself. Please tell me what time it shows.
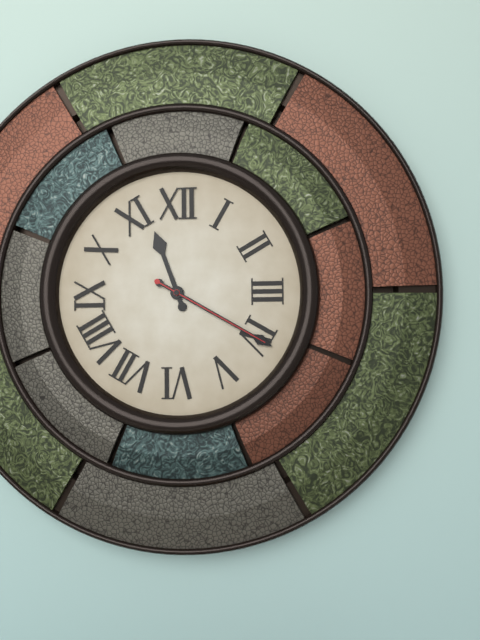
11:20:20
